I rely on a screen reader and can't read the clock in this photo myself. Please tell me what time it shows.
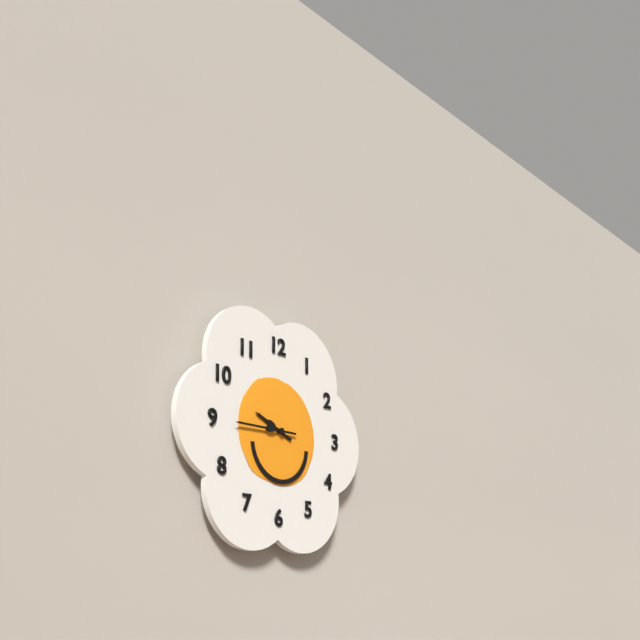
9:45
